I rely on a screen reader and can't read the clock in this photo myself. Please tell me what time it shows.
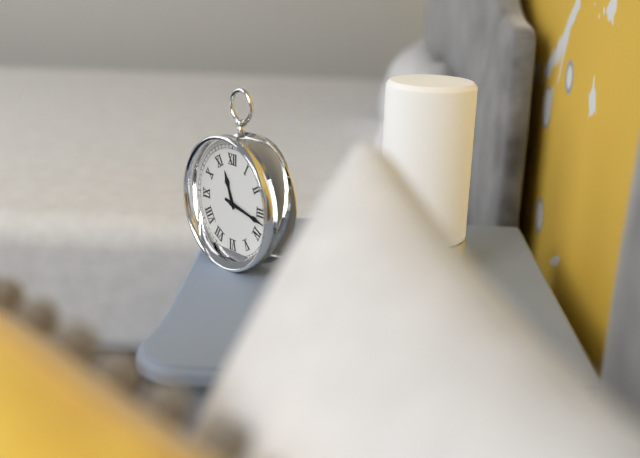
11:17
